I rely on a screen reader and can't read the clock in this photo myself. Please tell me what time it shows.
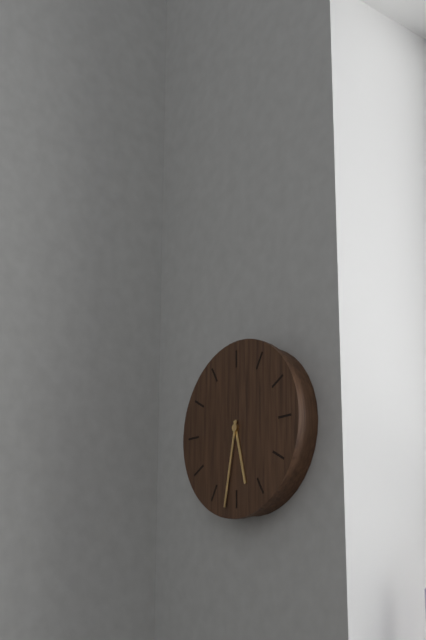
5:32
